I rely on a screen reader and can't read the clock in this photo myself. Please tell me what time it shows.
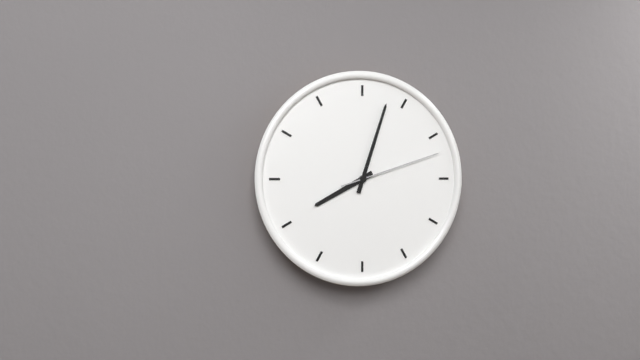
8:03:12
